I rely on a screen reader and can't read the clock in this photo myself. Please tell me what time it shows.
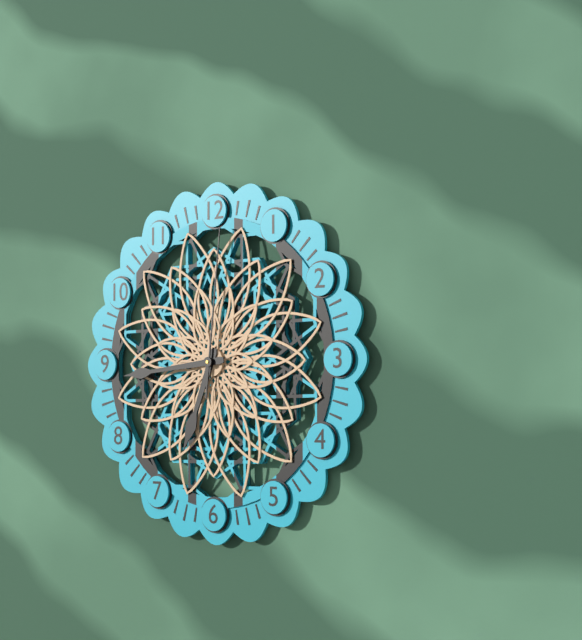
6:44:01
